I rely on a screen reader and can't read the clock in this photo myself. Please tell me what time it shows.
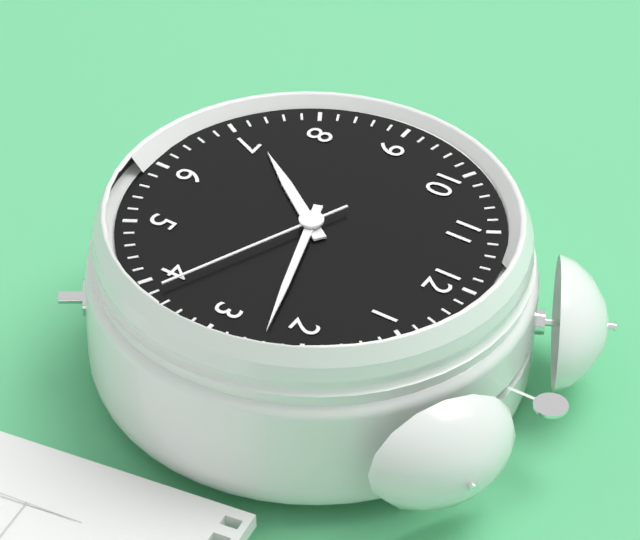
7:12:19
